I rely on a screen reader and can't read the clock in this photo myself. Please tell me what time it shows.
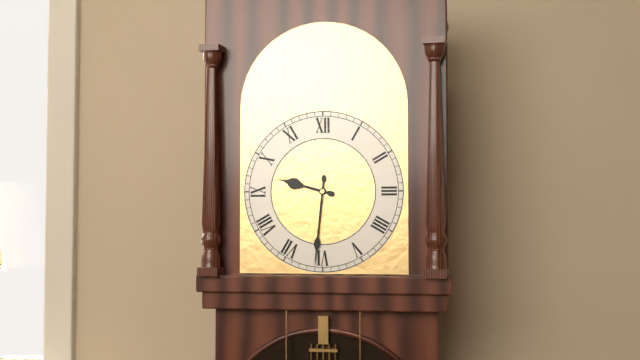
9:31
